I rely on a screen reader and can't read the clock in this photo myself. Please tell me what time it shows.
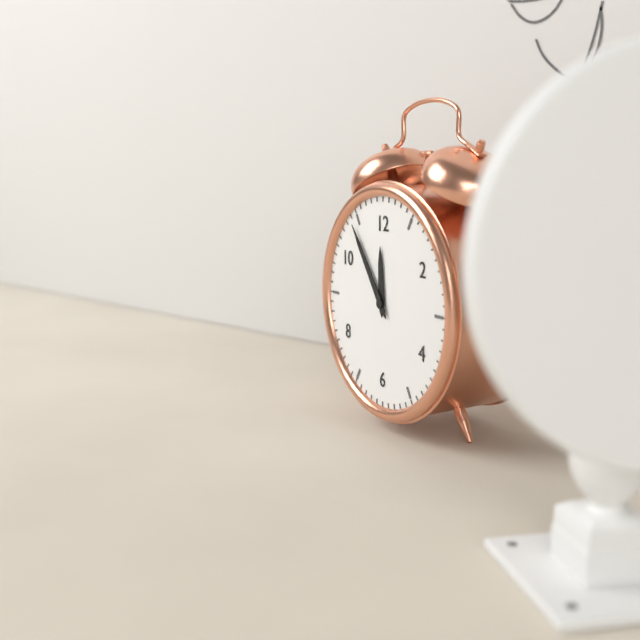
11:54
